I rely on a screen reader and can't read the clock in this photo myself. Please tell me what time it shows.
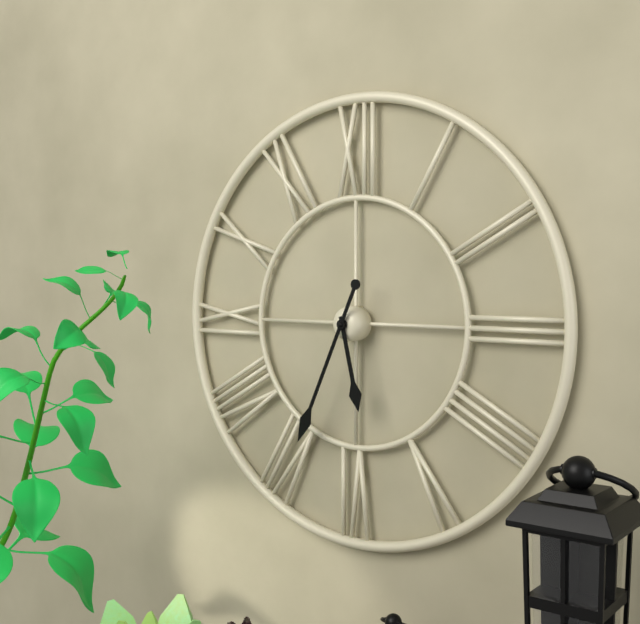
5:34
